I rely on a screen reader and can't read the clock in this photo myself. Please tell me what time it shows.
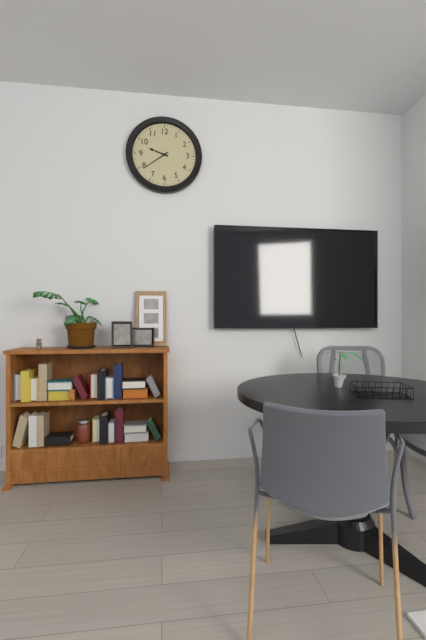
9:39
